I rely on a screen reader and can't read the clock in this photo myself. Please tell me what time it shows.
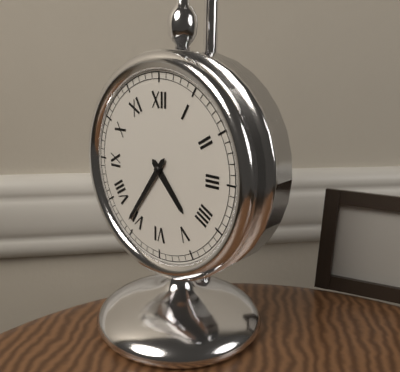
4:36
